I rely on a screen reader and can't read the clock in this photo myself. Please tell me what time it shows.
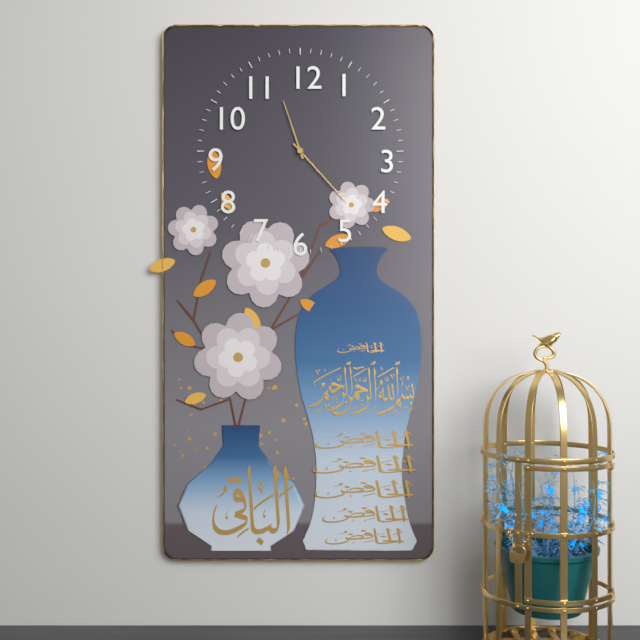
11:23
